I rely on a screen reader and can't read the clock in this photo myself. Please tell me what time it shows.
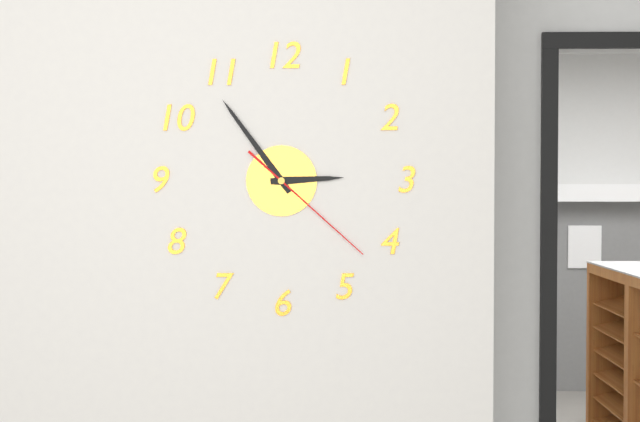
2:54:22
